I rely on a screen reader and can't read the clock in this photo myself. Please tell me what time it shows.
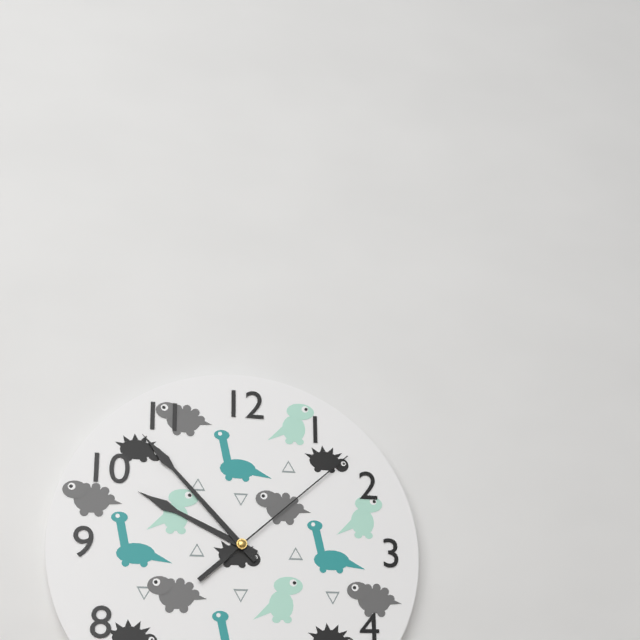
9:53:08
